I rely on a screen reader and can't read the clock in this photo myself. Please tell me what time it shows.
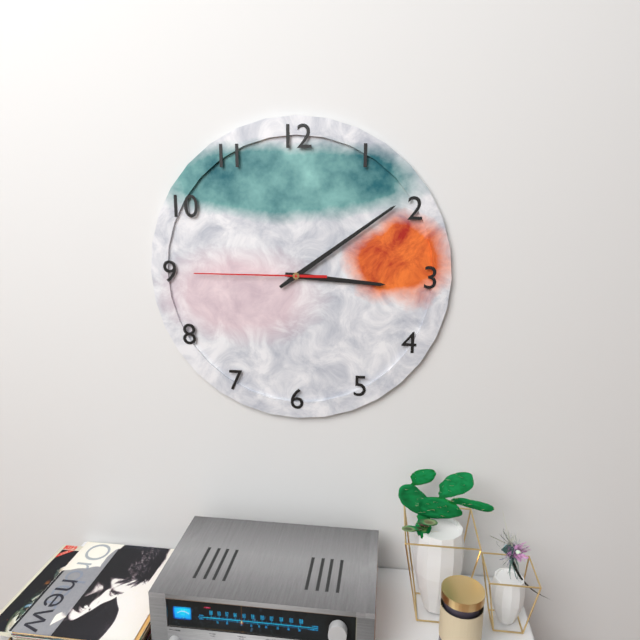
3:09:45
